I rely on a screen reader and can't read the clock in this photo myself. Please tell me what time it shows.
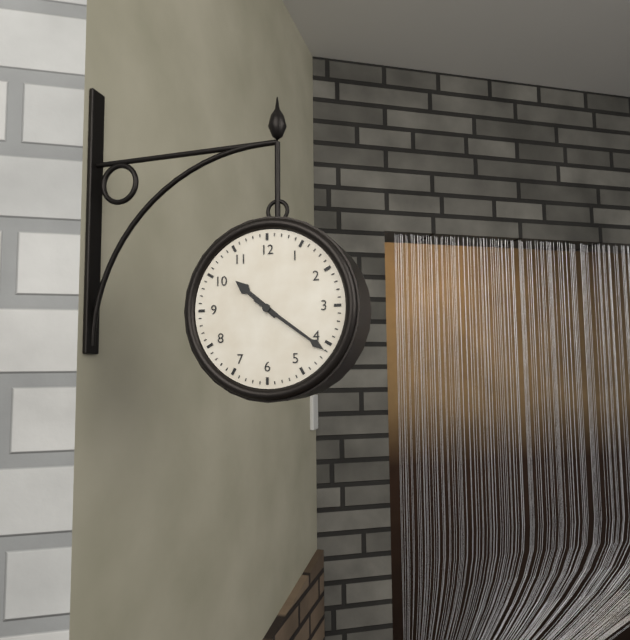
10:21
